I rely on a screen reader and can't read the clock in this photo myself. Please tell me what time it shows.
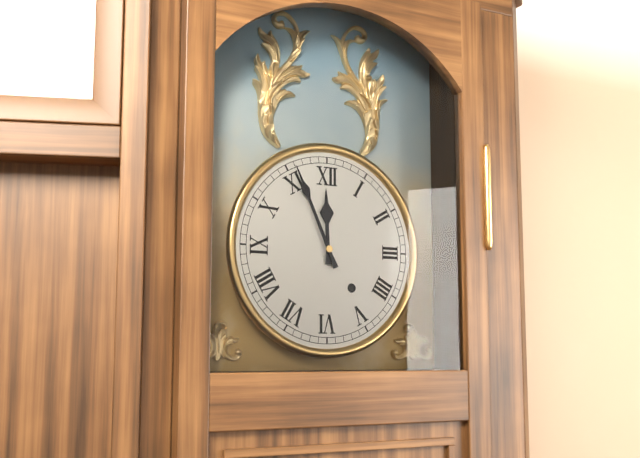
11:56
